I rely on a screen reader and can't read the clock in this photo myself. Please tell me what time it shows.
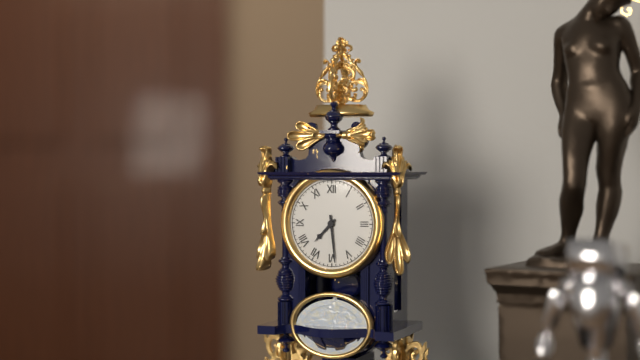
7:29
